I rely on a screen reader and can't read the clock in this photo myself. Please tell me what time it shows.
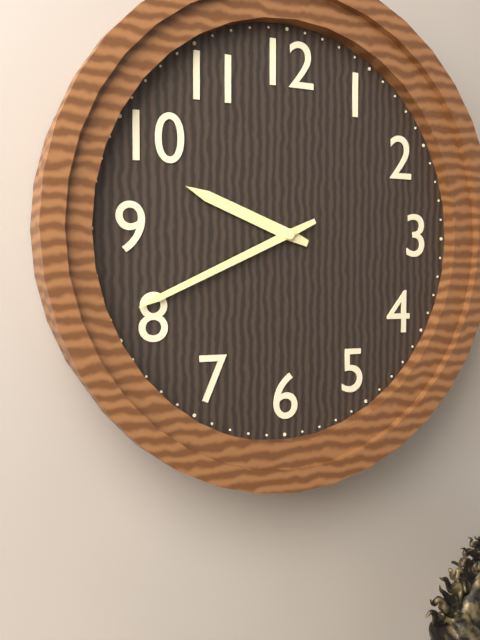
9:41
